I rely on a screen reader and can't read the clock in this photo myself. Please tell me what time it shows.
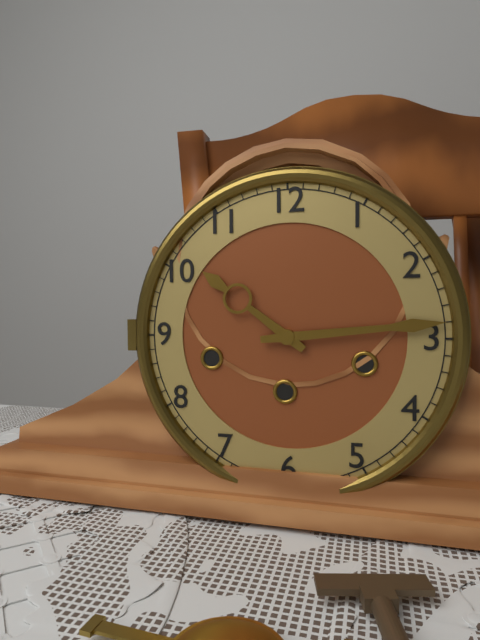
10:14
